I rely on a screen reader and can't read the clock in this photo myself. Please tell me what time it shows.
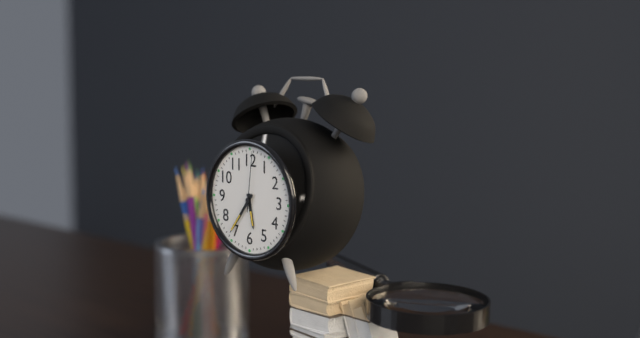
5:36:01
